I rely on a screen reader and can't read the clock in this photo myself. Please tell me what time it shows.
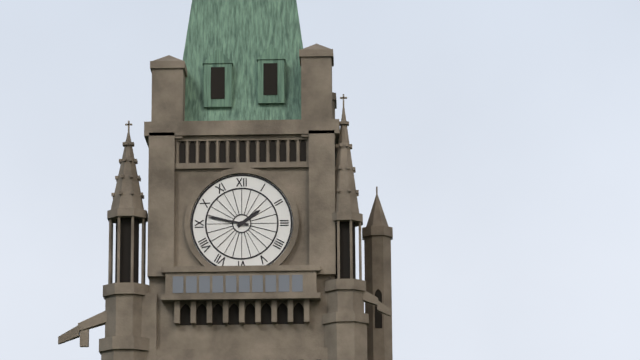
1:47
